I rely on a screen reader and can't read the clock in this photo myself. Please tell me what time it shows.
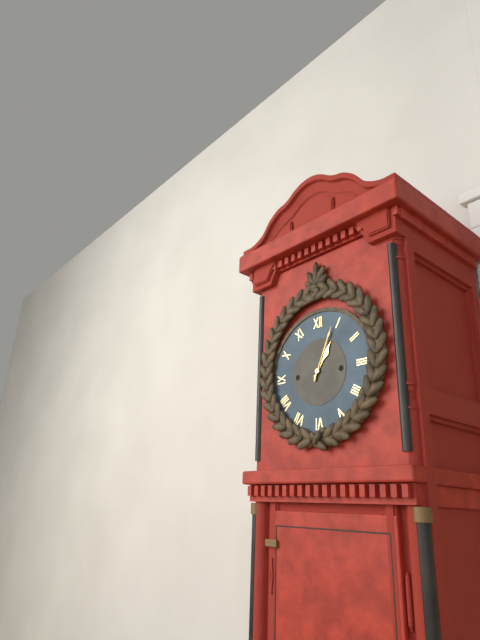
1:04
